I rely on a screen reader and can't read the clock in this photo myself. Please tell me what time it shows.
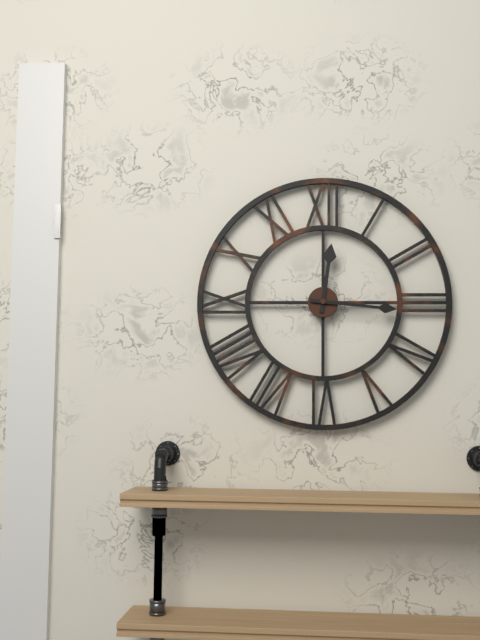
12:16
